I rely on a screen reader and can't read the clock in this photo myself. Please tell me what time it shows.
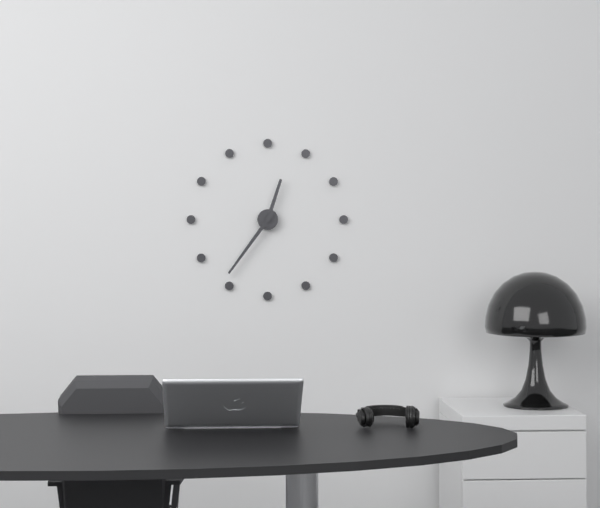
12:36
